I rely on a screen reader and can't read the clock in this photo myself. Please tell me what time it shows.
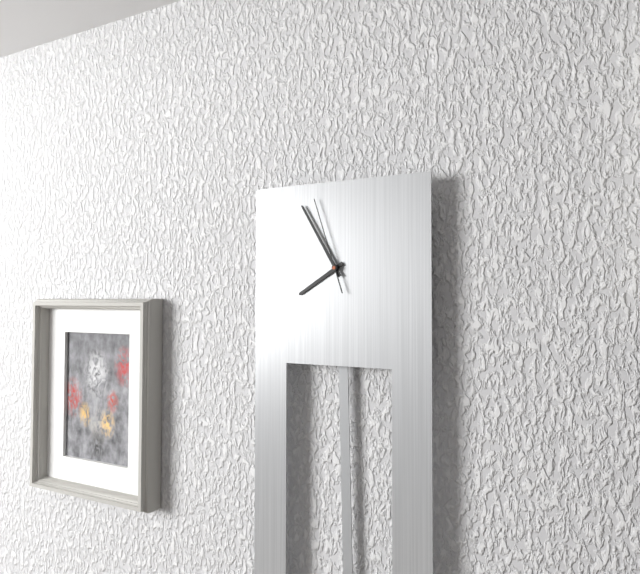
7:55:57
